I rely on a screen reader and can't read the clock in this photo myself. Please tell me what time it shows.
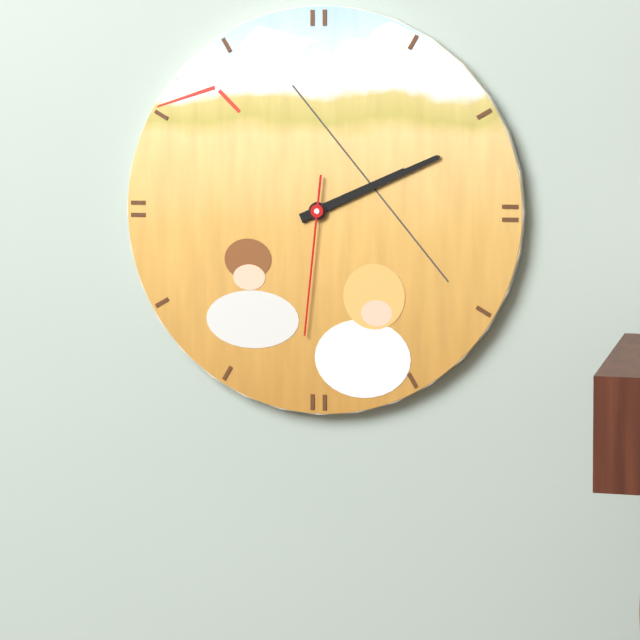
2:11:31
